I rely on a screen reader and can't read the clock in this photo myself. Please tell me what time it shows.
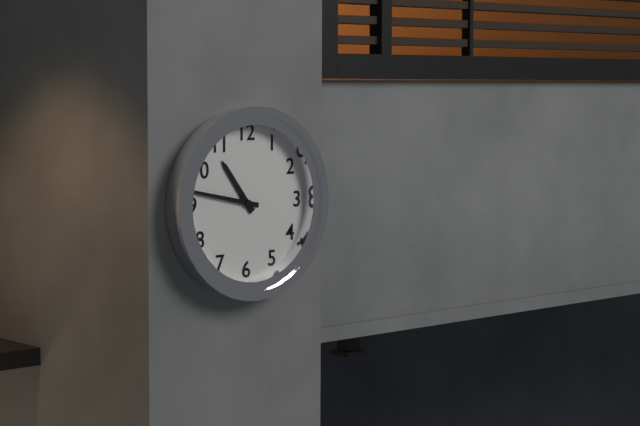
10:47
